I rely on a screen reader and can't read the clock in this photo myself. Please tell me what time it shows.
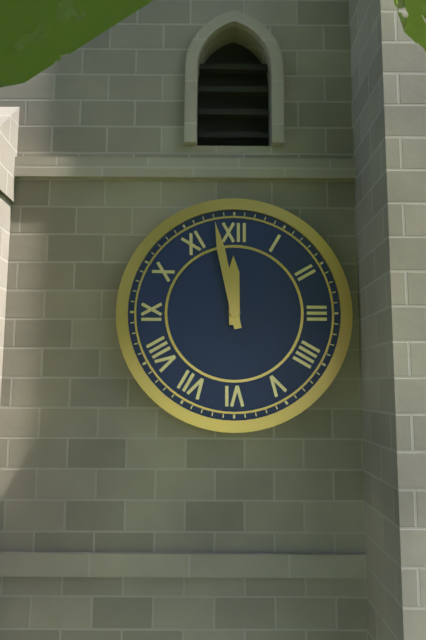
11:58
